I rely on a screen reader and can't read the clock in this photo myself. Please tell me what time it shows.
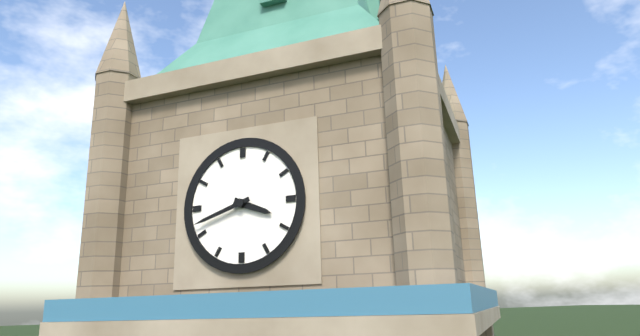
3:42
